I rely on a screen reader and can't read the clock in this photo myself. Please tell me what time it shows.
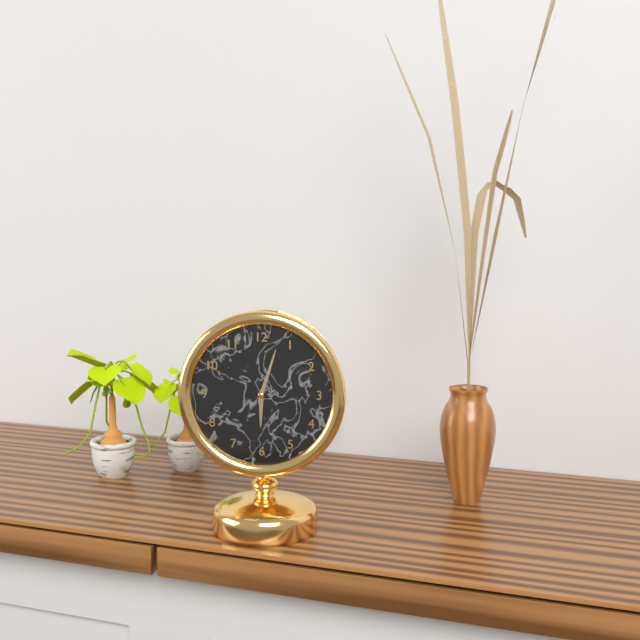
6:03
